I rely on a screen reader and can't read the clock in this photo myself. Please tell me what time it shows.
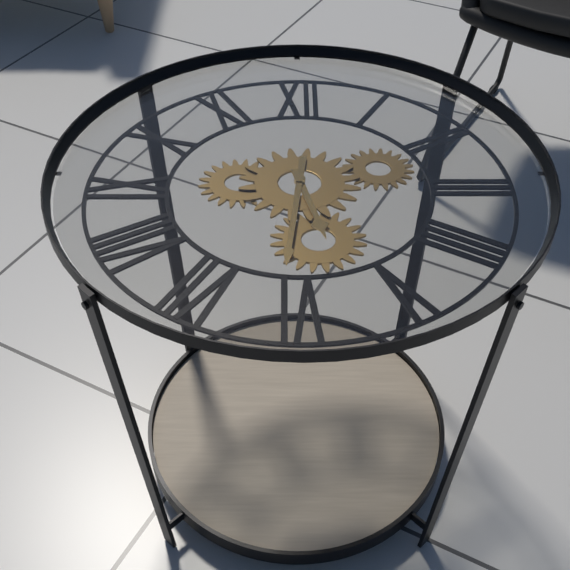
5:31
